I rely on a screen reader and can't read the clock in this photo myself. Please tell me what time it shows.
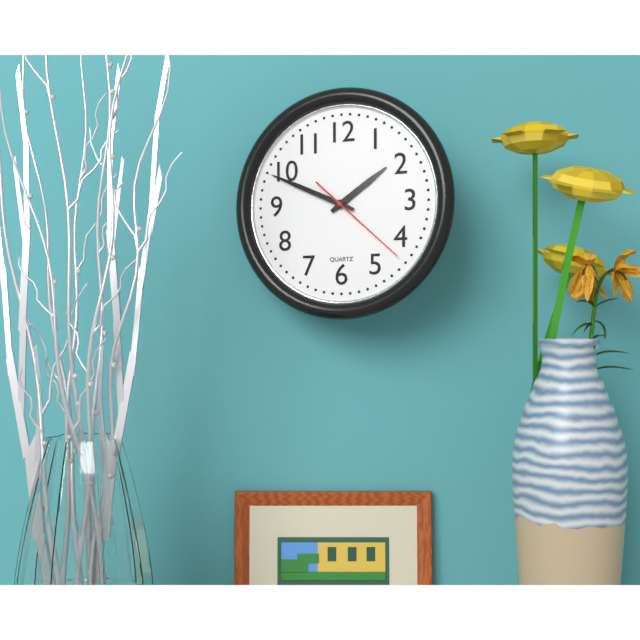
1:49:22
